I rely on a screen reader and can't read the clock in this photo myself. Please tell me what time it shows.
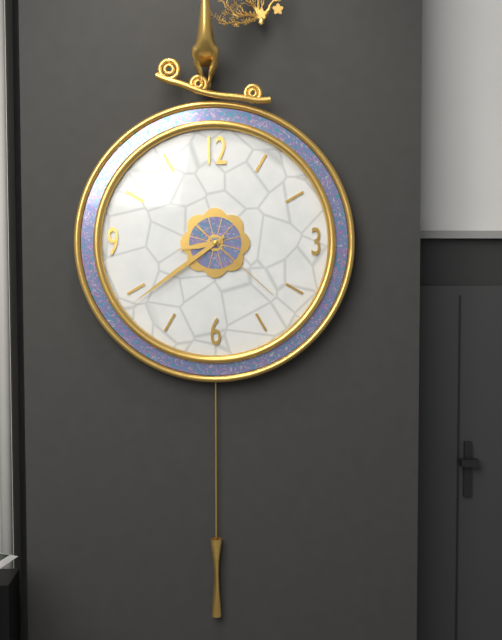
8:39:22
